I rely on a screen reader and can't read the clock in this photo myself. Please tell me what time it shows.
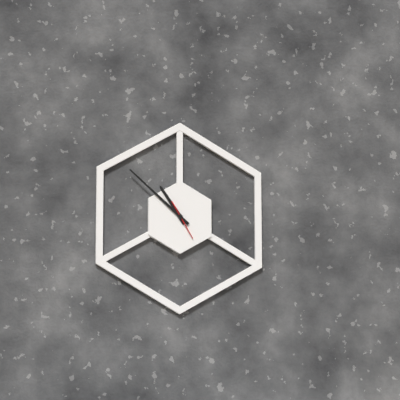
10:52
